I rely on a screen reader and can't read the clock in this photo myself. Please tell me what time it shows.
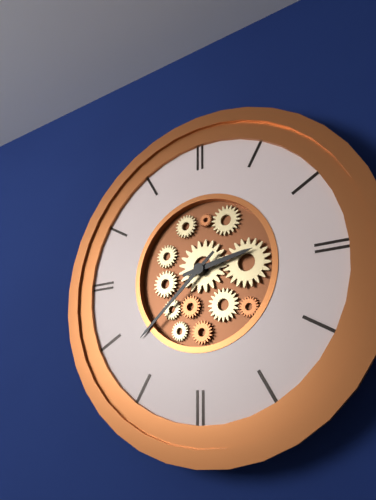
2:38
